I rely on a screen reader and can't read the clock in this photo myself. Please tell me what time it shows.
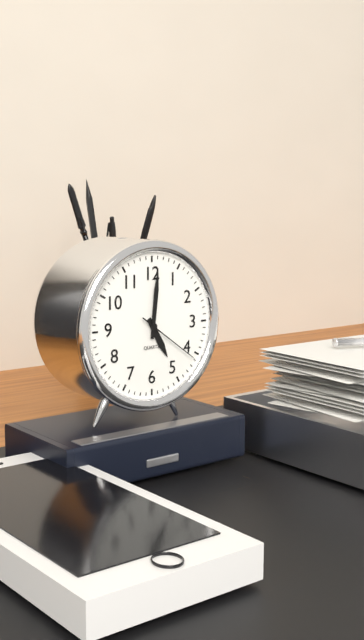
5:01:21
